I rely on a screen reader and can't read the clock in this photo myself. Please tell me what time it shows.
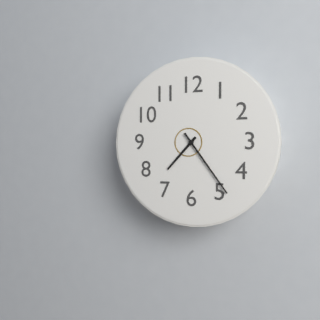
7:24
